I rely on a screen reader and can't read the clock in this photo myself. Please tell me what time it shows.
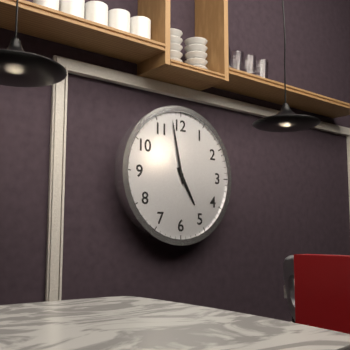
4:58
